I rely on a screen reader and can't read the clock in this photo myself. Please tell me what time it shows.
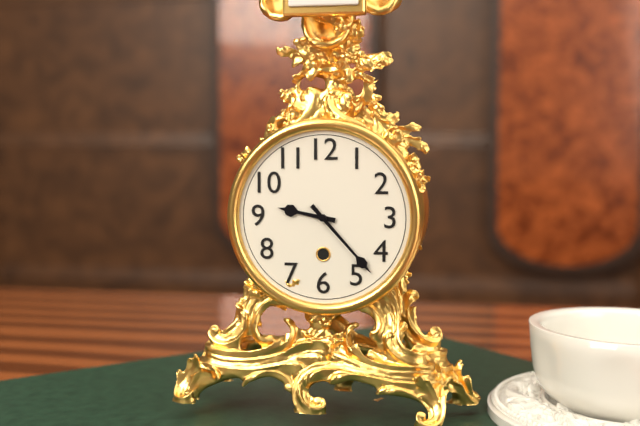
9:23
